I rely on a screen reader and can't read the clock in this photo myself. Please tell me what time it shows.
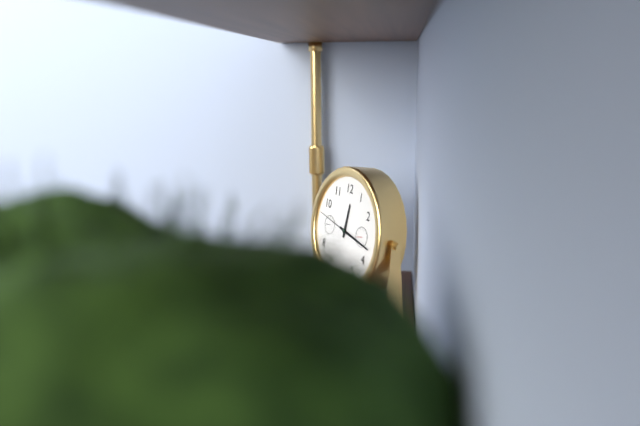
12:17
